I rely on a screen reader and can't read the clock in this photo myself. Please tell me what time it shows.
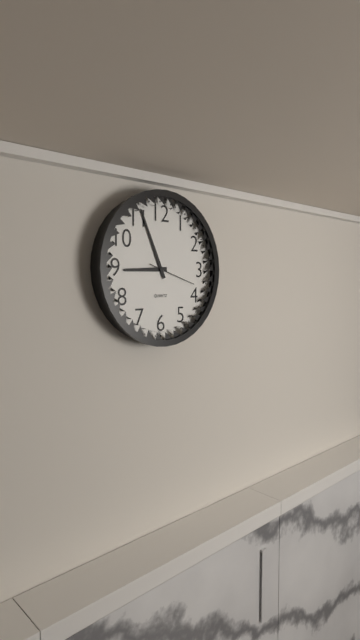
8:56
